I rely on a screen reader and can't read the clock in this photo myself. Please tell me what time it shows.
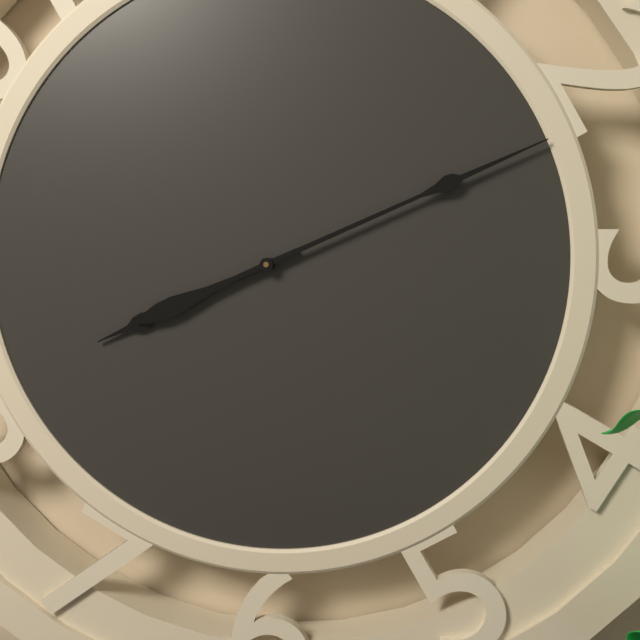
8:11
